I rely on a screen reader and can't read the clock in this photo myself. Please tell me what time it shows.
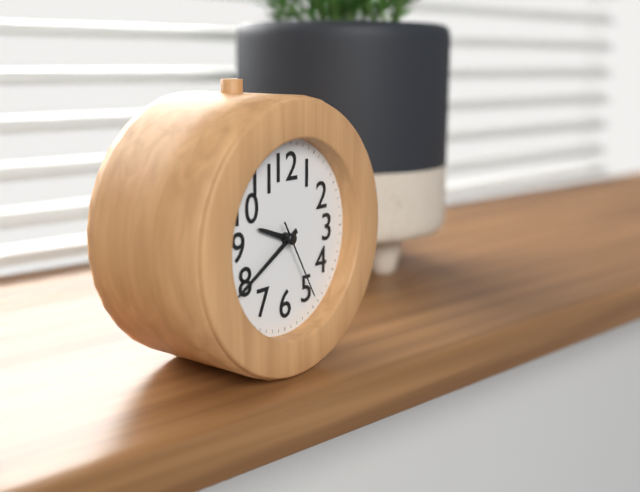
9:40:25
